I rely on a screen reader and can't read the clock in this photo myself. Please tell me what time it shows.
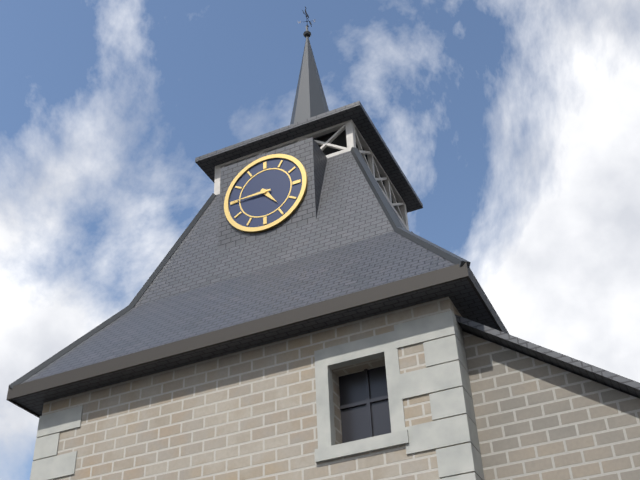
4:45
